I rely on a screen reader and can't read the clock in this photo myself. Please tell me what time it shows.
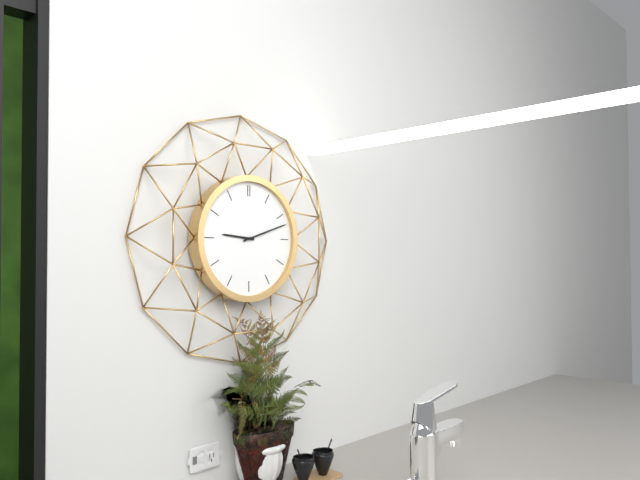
9:12
